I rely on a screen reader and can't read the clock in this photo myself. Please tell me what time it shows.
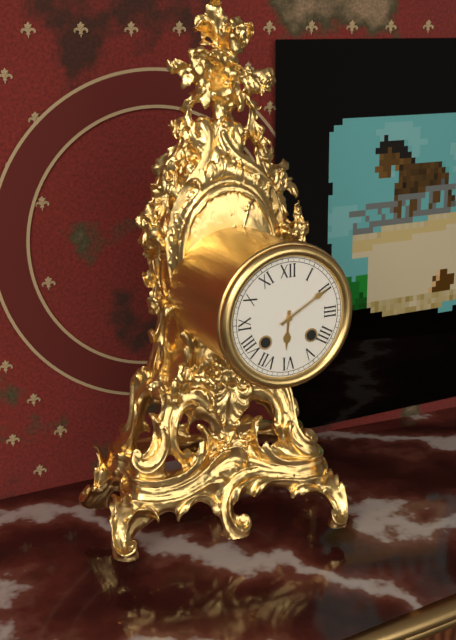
6:10
